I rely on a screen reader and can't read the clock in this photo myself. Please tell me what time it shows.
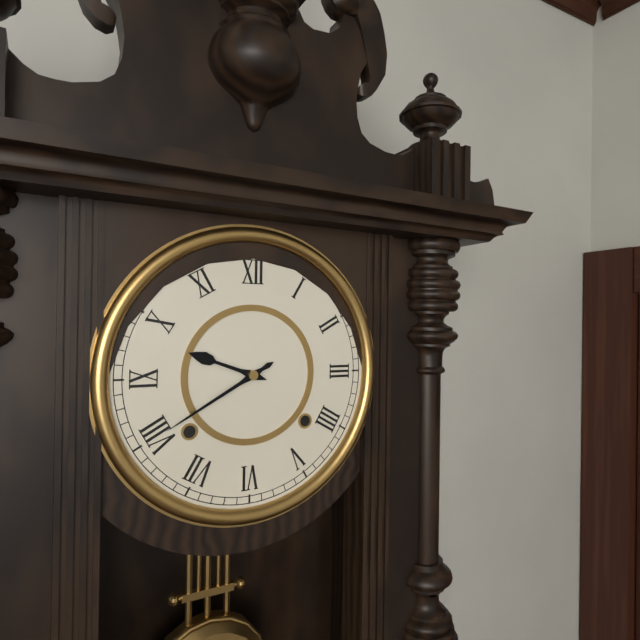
9:40
